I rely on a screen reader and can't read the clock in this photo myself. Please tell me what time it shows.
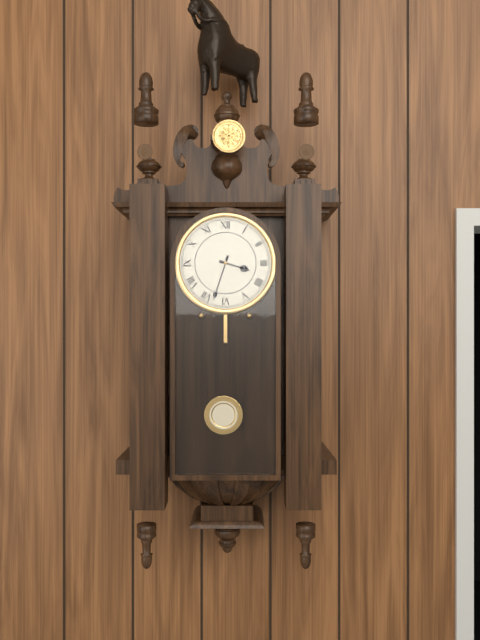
3:33
